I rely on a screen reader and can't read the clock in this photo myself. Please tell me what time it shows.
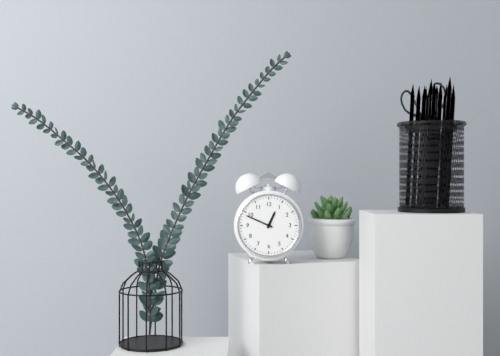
12:49
